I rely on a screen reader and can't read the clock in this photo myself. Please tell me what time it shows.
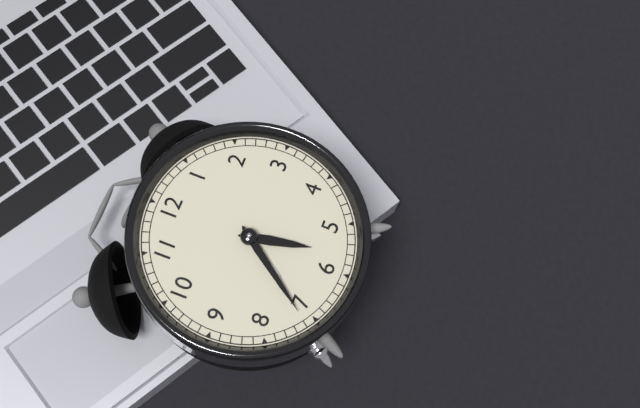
5:36
